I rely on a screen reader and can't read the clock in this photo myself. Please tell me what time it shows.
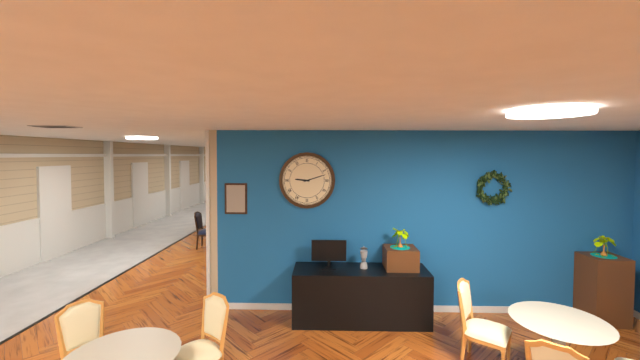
9:12
